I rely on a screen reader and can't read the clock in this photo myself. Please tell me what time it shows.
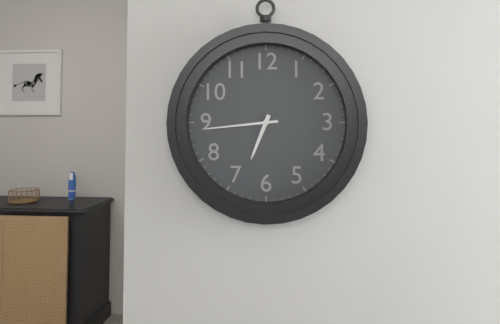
6:44
